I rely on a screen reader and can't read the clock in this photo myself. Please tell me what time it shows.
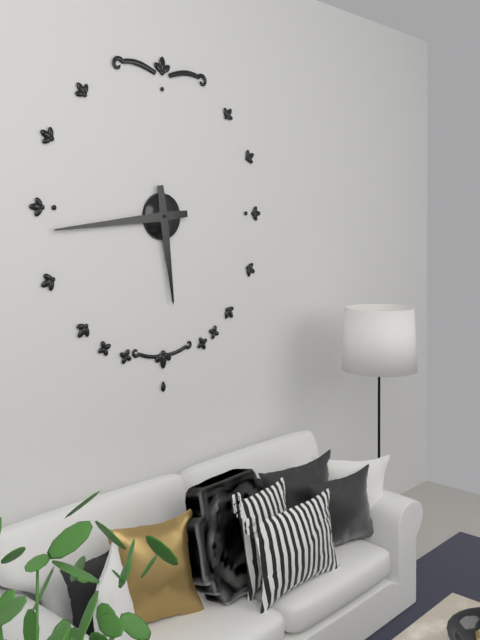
5:44
